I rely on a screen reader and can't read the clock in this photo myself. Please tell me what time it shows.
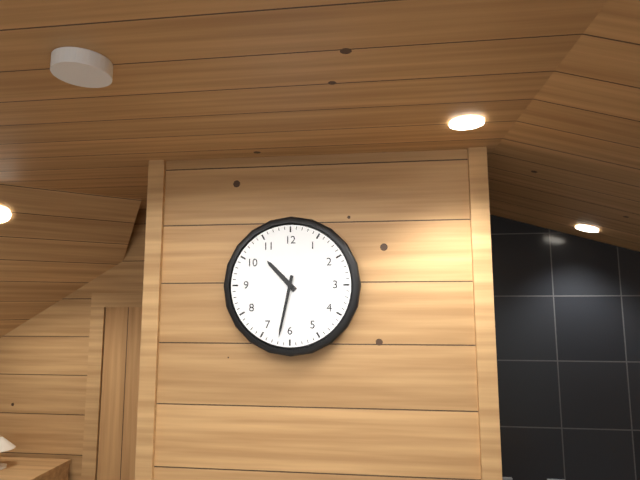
10:32
